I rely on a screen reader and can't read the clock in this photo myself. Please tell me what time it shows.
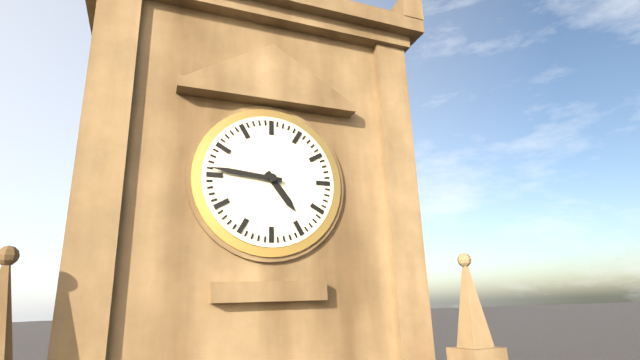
4:46
